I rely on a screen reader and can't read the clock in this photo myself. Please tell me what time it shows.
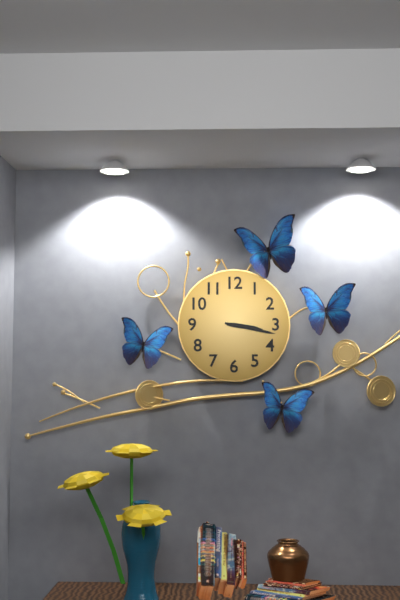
3:17
